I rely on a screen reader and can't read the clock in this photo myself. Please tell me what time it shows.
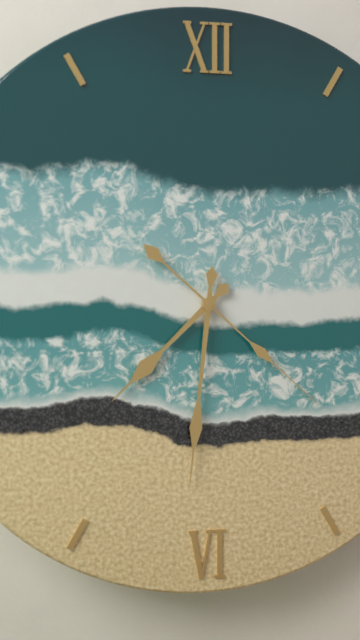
7:31:22
